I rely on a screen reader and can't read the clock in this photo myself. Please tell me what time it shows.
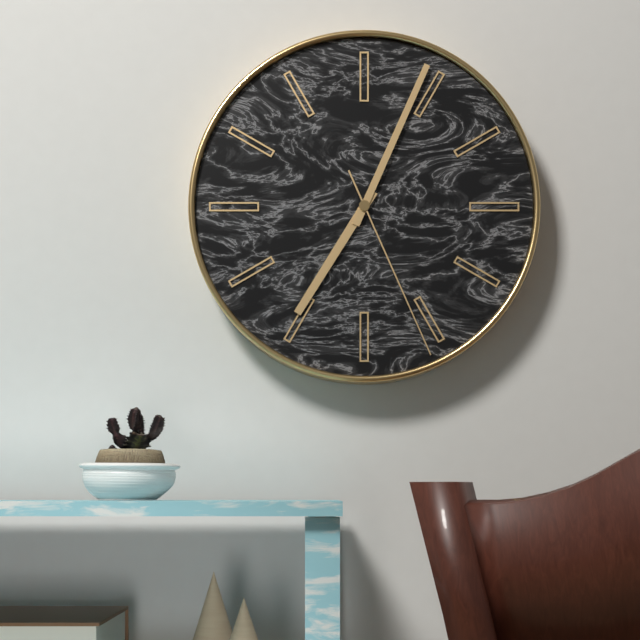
7:04:26
